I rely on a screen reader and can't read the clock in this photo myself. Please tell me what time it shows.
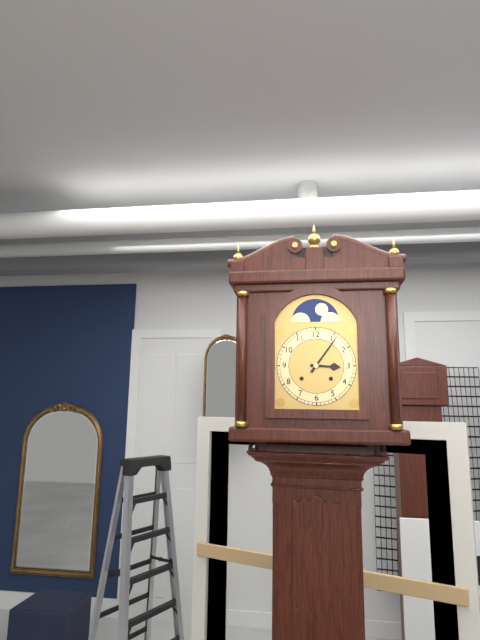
3:06
